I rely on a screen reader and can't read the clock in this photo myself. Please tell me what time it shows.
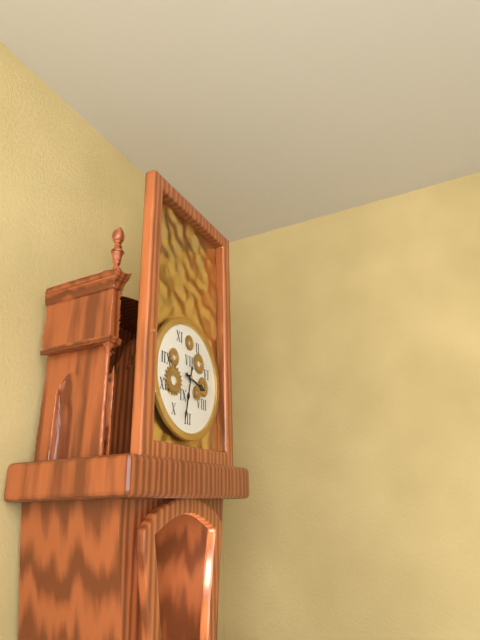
3:32
